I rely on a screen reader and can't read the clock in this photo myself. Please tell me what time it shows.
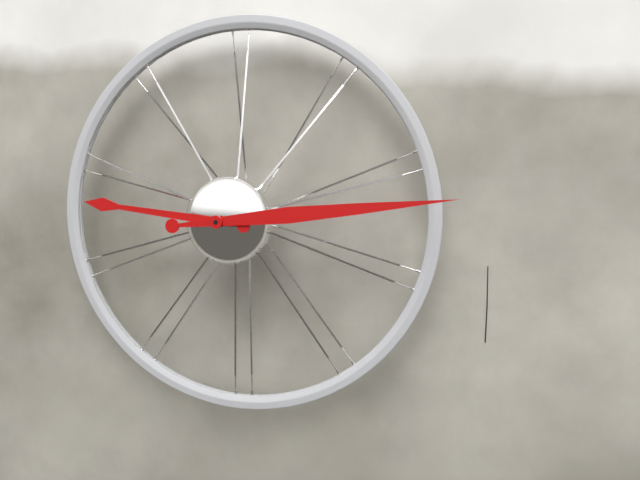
9:14
